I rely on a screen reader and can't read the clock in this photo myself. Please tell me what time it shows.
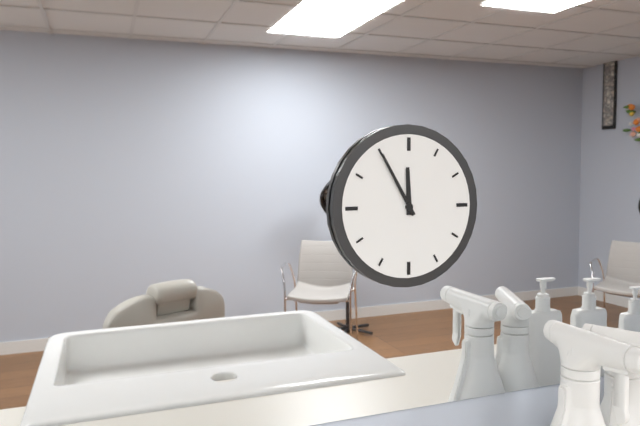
11:55
